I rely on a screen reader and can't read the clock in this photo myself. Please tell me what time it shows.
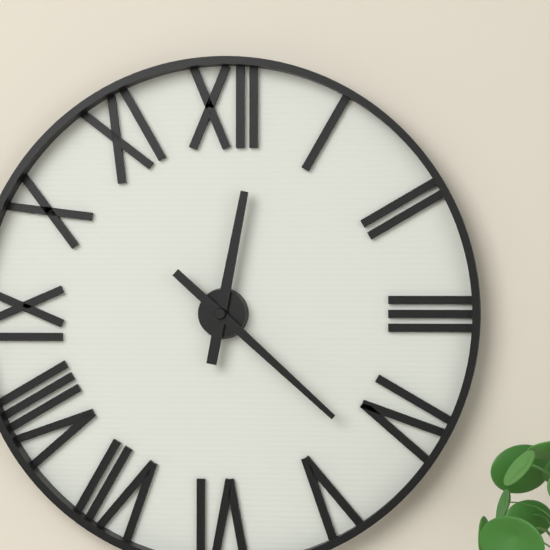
12:22
